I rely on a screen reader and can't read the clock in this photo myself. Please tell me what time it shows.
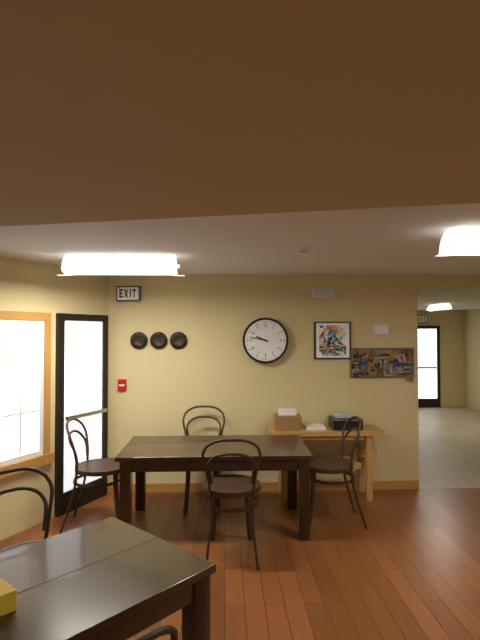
9:47
